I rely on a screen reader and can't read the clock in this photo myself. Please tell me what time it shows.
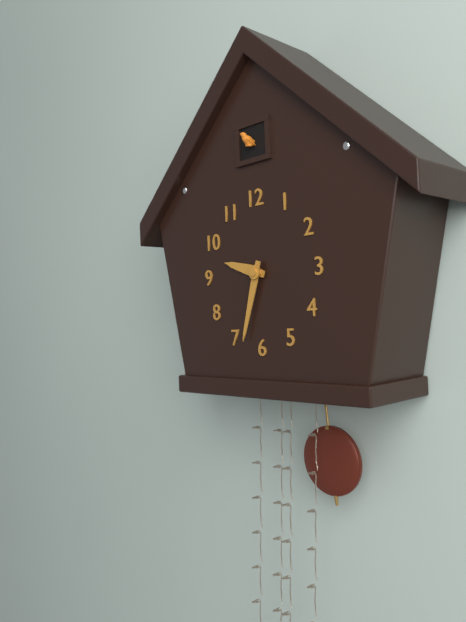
9:33
